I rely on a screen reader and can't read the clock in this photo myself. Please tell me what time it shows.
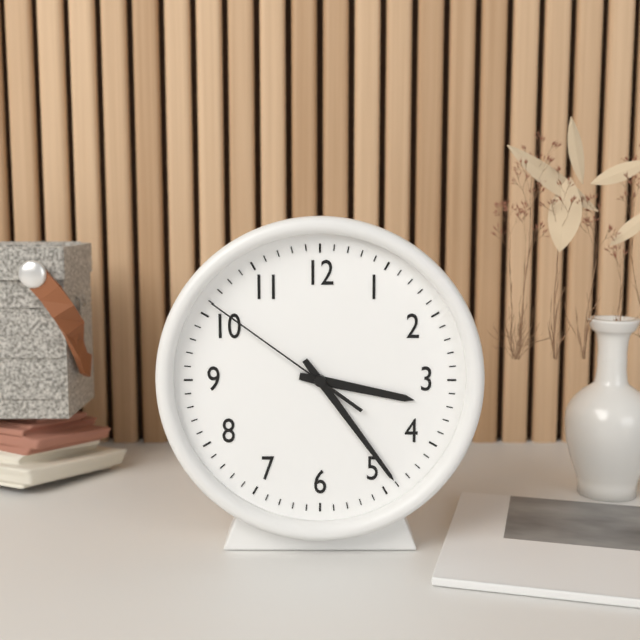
3:24:51
